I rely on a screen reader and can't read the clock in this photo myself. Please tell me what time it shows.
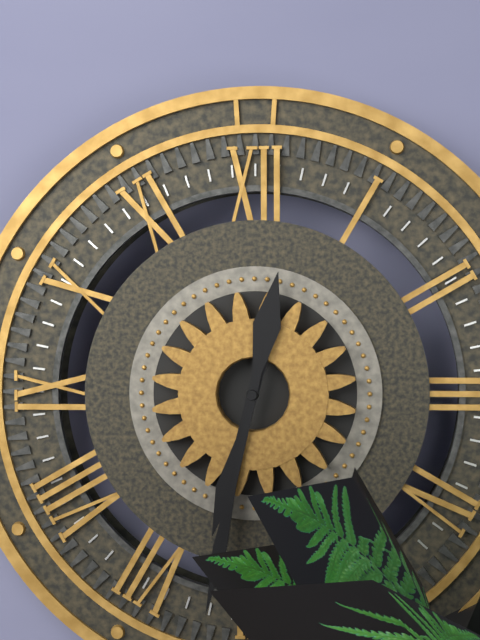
6:32
